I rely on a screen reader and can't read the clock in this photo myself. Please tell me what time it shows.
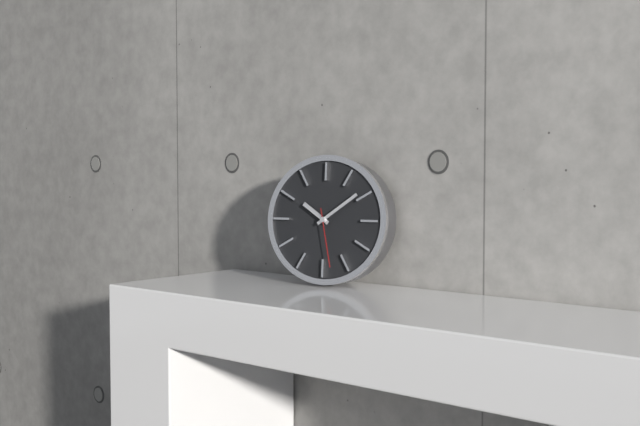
10:09:28
